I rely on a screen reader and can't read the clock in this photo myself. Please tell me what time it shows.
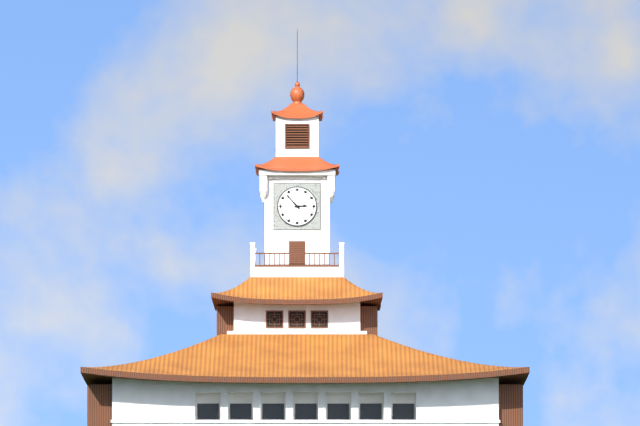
2:53
